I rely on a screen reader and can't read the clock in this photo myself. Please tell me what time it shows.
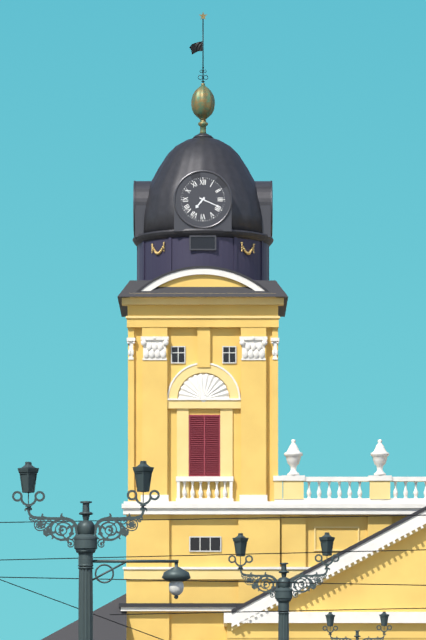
7:19
